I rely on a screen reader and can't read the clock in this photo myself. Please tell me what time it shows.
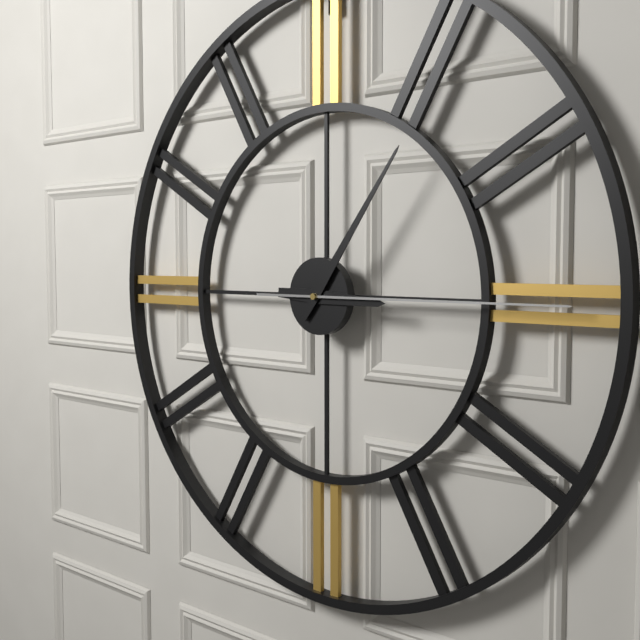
3:06:15
